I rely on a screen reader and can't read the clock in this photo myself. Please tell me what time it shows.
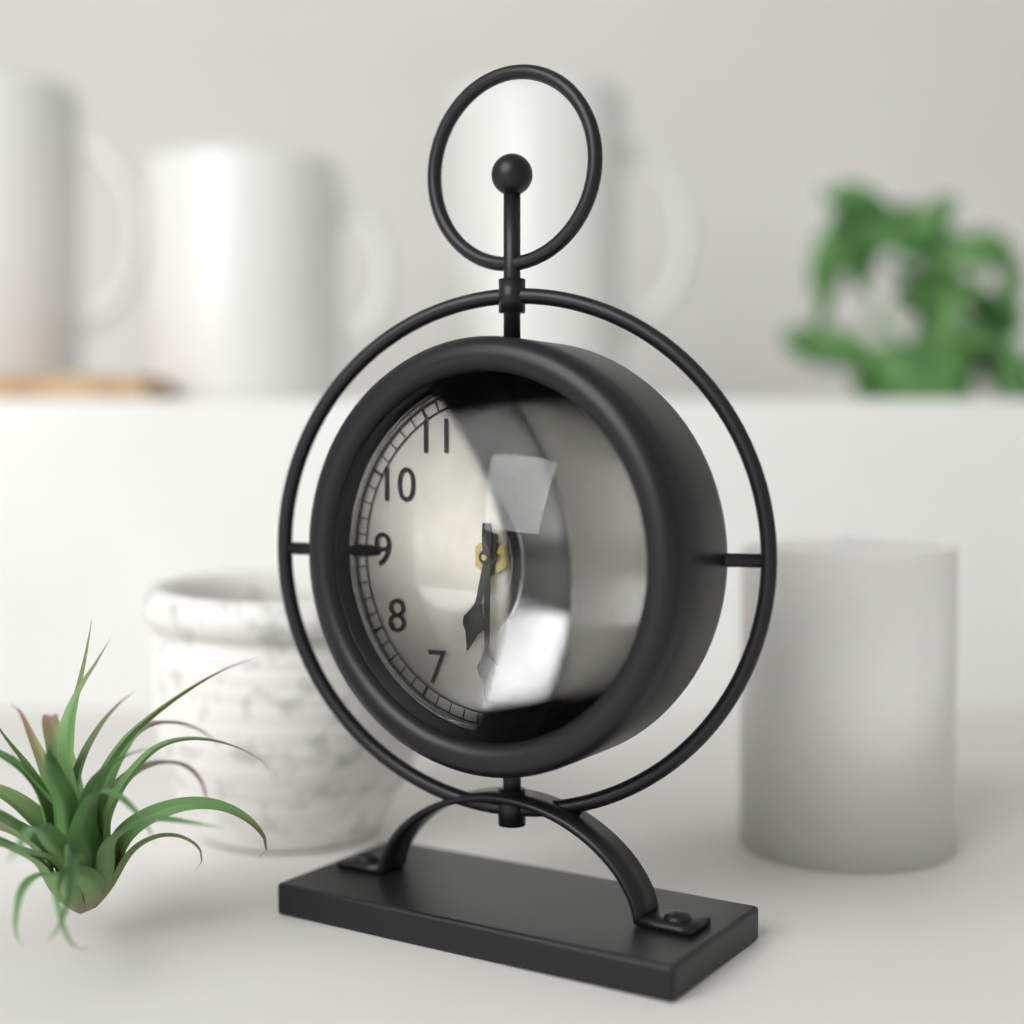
6:30
